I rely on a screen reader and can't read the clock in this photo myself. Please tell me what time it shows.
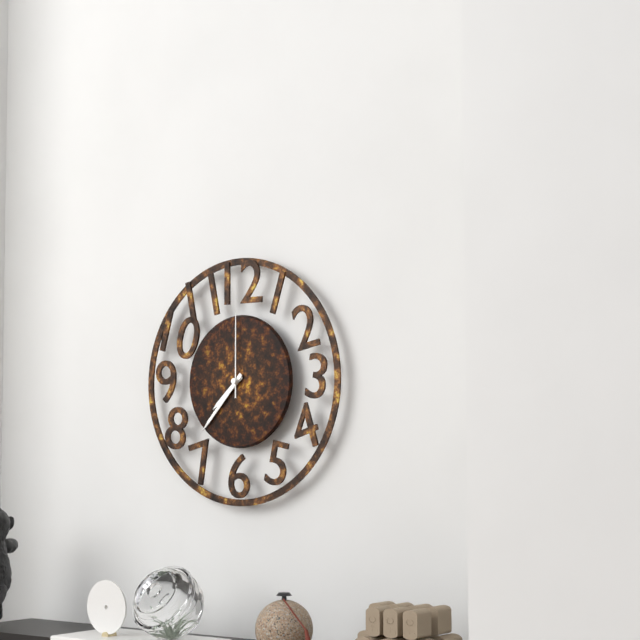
7:37:00
